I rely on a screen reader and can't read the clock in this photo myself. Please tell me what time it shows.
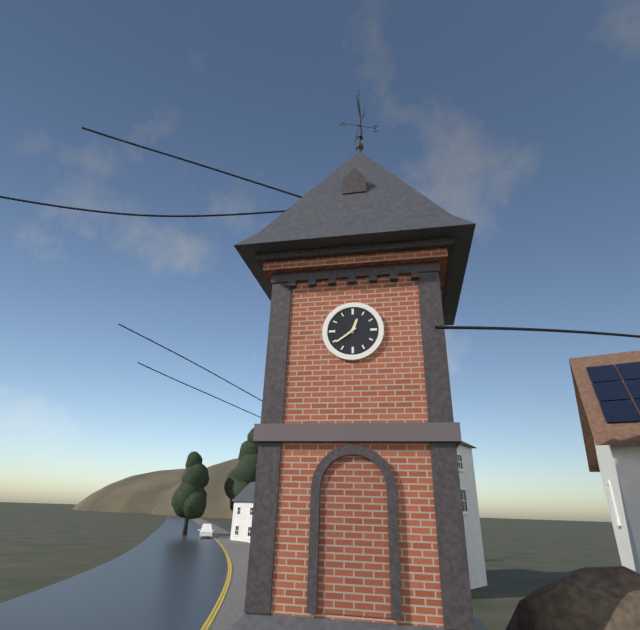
12:39
